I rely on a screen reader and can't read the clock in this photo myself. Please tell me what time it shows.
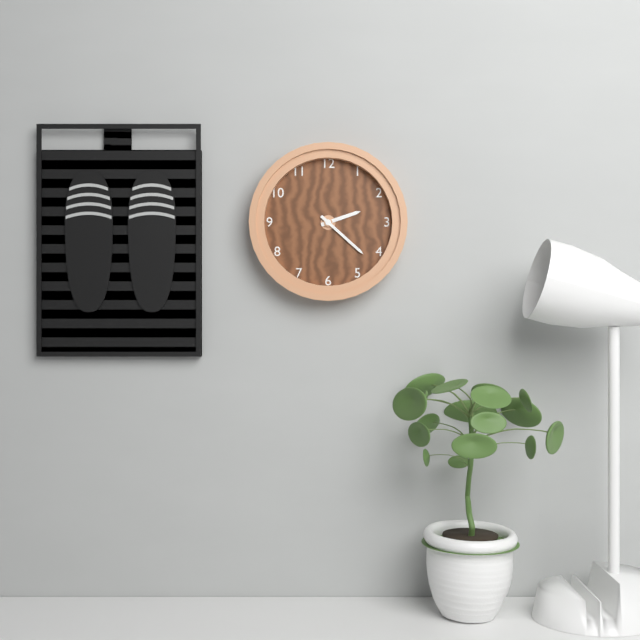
2:22
